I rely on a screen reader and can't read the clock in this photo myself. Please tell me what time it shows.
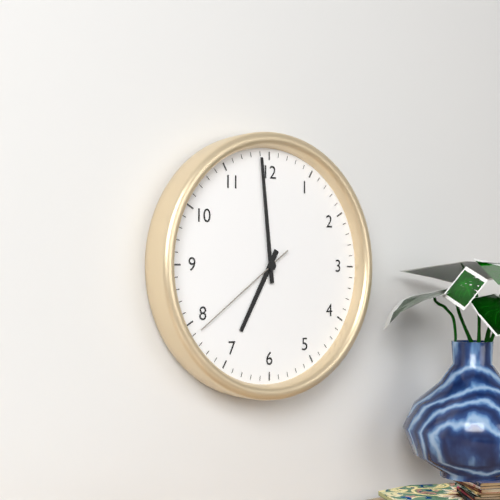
6:59:39
